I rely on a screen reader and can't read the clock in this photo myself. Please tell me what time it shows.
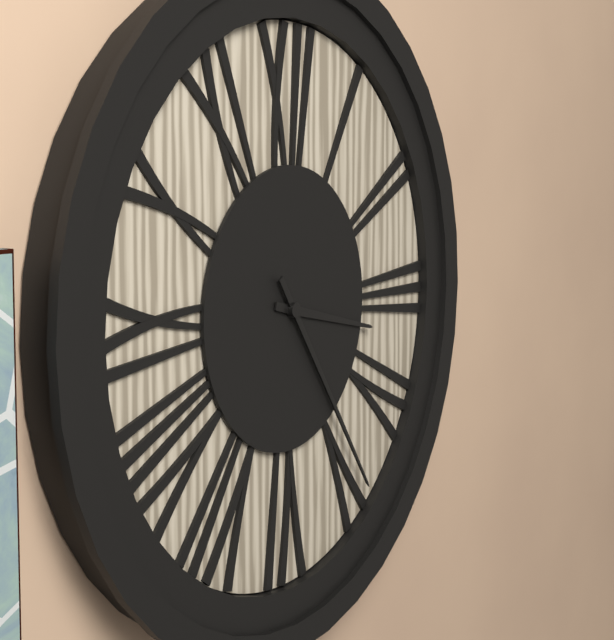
3:24
